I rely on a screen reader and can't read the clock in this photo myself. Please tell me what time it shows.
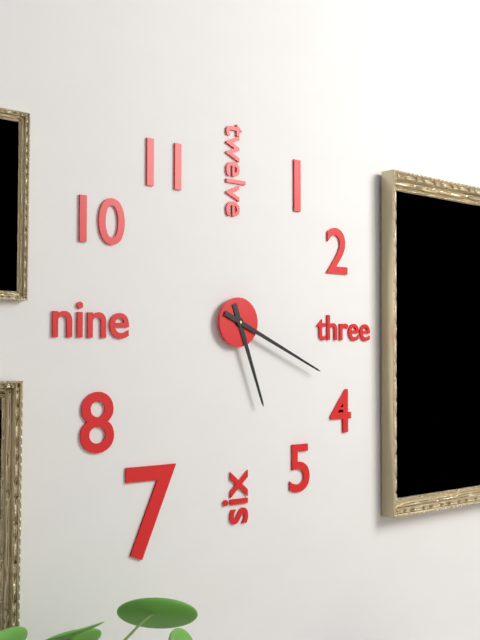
5:19
